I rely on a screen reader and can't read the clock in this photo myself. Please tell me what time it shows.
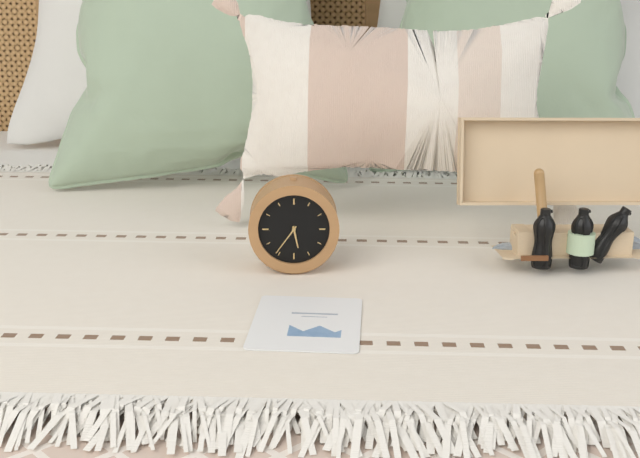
5:36
